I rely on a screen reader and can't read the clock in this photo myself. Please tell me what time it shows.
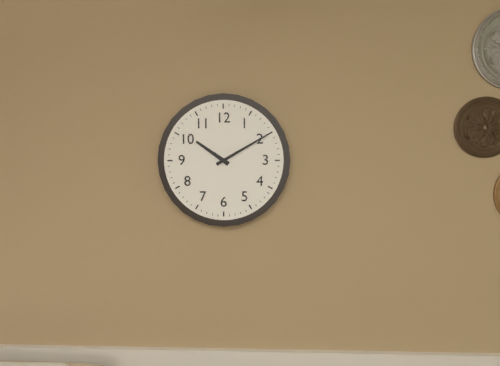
10:10
